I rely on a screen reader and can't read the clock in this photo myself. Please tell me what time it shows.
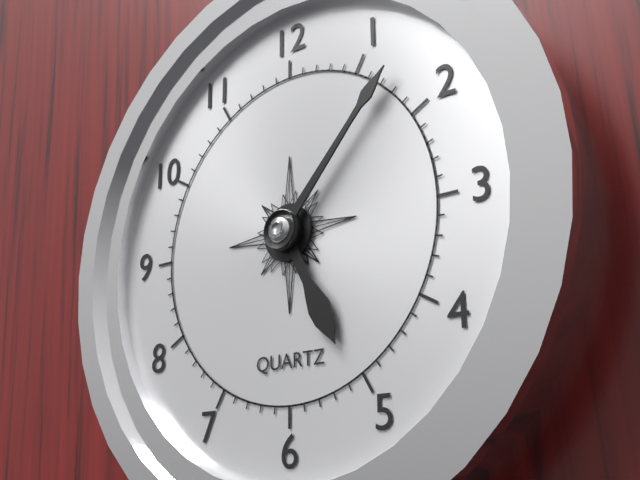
5:07
